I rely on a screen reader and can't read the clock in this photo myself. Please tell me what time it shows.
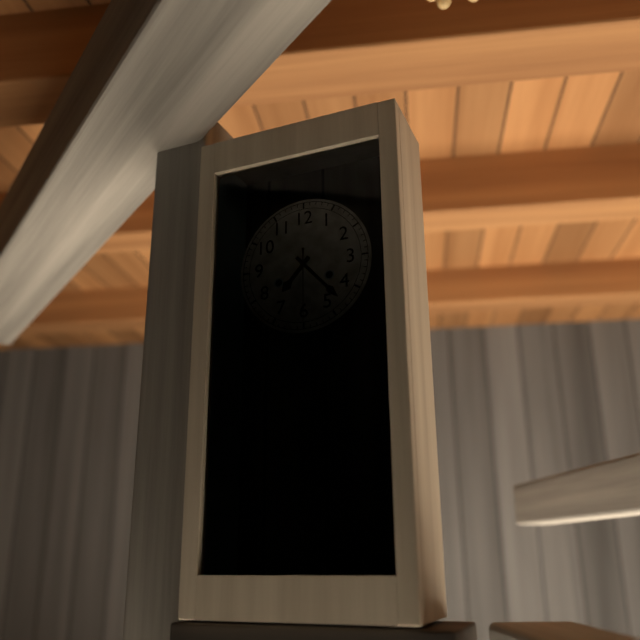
7:23:30
